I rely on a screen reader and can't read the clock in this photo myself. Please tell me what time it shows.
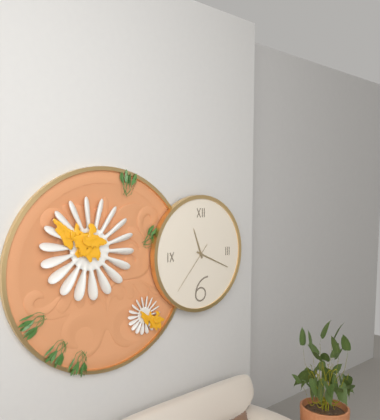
11:19:37
